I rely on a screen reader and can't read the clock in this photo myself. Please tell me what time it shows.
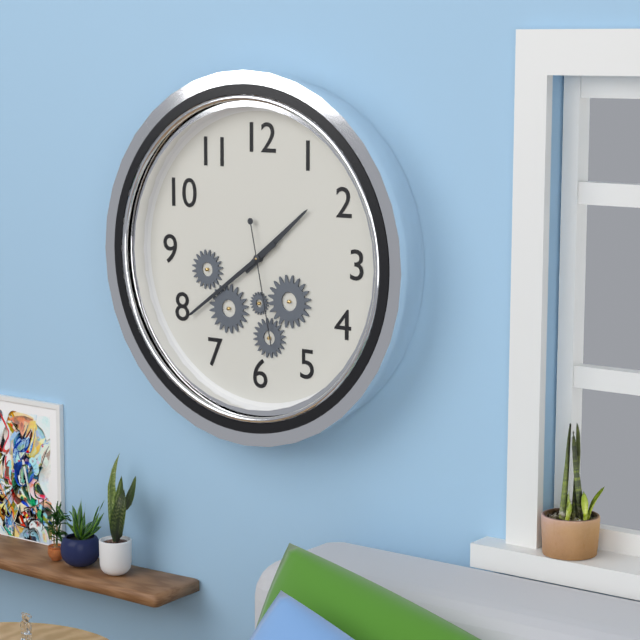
1:39:28
